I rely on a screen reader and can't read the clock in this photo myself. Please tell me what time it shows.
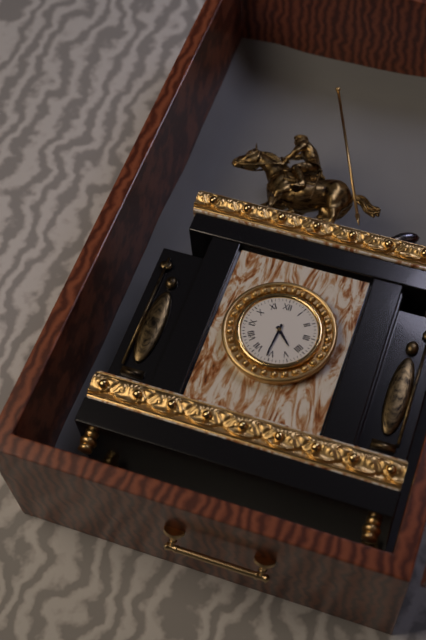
4:31
